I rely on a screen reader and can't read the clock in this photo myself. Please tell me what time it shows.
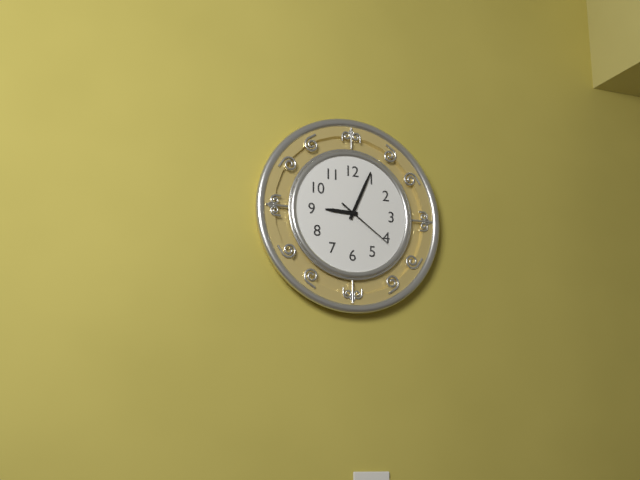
9:04:21
